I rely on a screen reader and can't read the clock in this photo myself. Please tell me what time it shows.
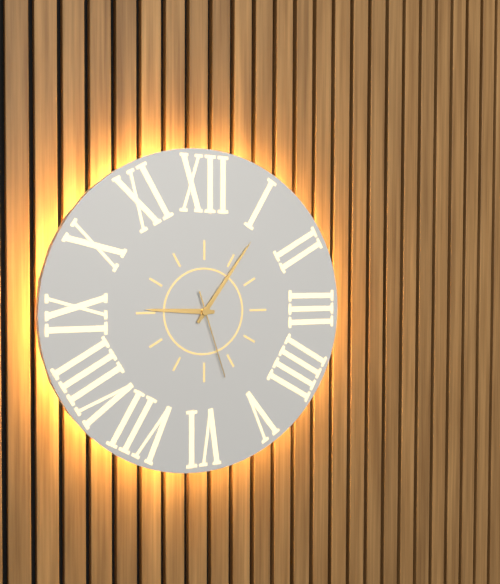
9:06:27
